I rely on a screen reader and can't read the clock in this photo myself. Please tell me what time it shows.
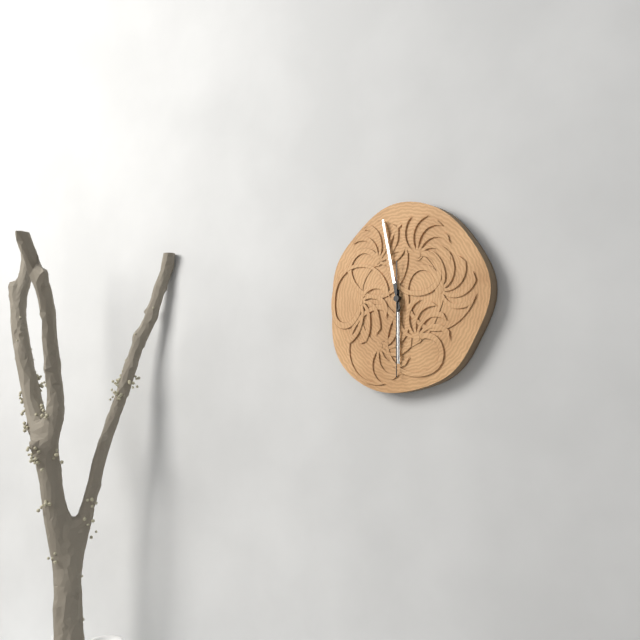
5:58:30
